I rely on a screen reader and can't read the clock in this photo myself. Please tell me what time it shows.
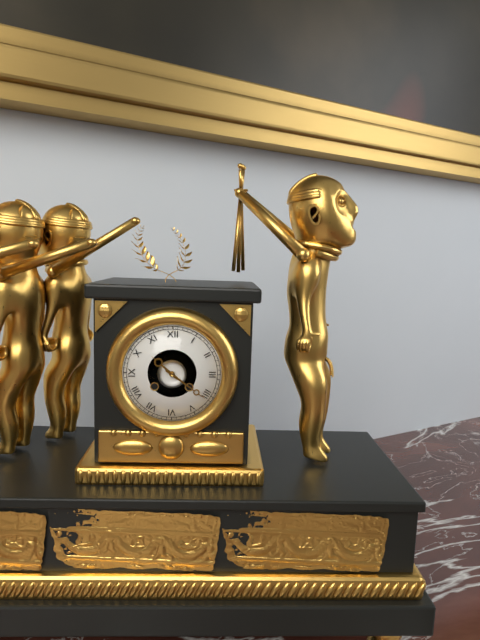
10:21
